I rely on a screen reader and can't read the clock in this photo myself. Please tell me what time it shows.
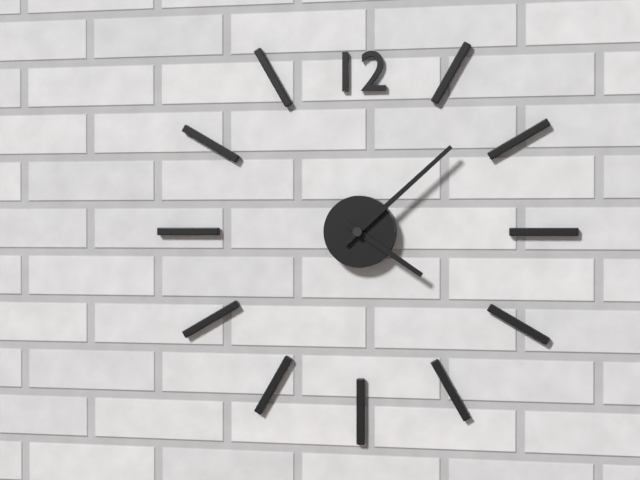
4:08
